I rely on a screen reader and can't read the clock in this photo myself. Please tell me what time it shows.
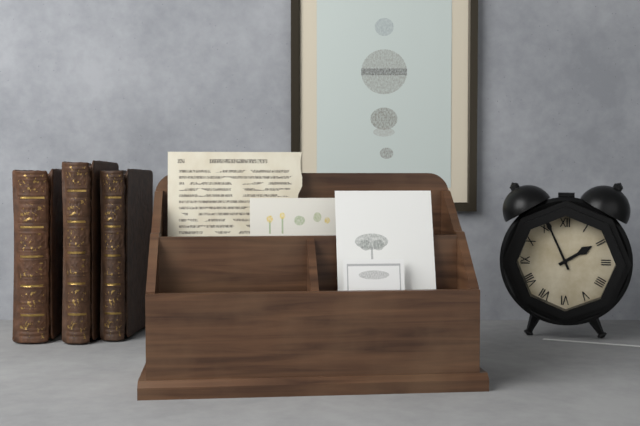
1:56
